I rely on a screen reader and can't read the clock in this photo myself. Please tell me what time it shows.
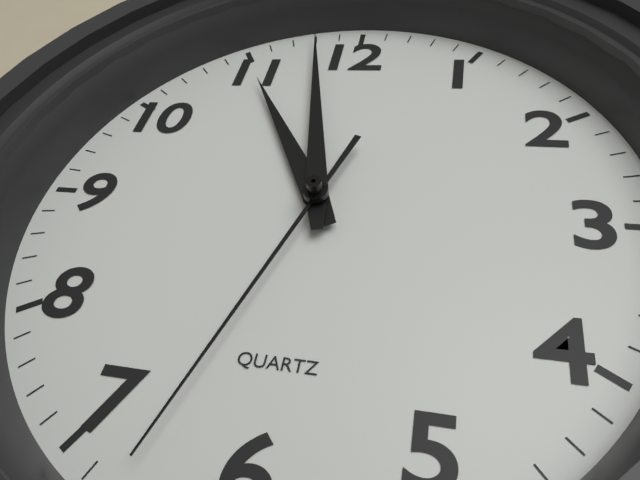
10:58:33
